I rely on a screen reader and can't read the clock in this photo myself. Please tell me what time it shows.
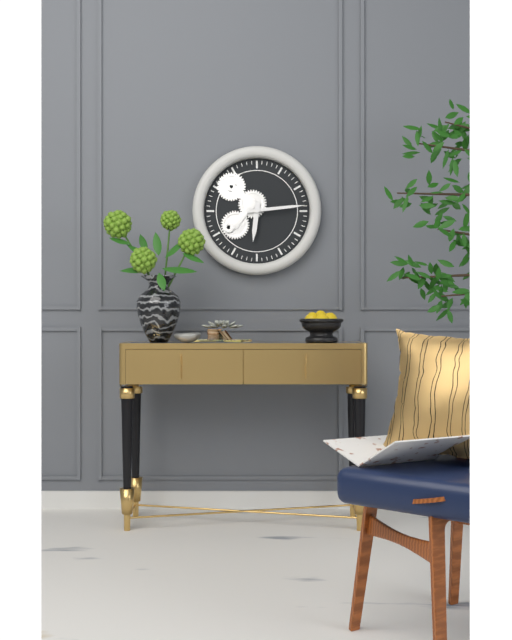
6:14
